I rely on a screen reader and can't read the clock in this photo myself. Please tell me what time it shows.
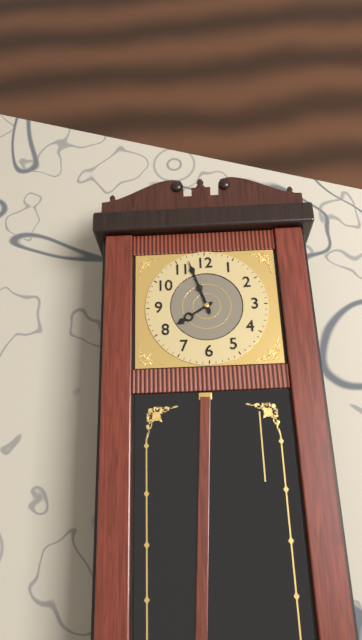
7:57
